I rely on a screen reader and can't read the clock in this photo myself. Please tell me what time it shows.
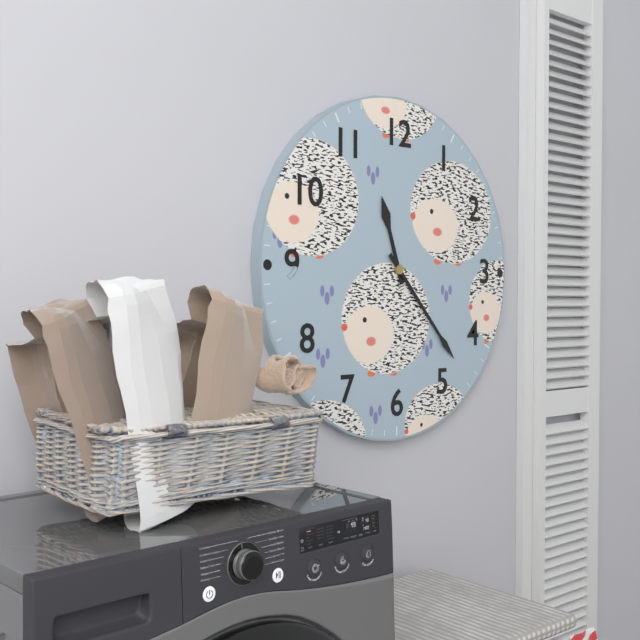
11:23
